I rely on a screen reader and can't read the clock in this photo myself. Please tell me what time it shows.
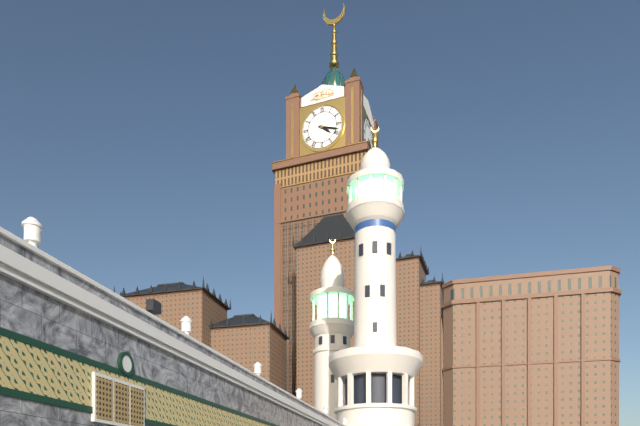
4:18
